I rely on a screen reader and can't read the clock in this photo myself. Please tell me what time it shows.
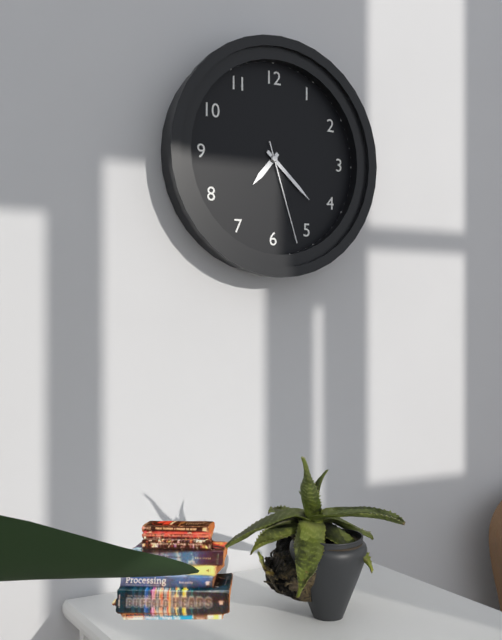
7:22:27
